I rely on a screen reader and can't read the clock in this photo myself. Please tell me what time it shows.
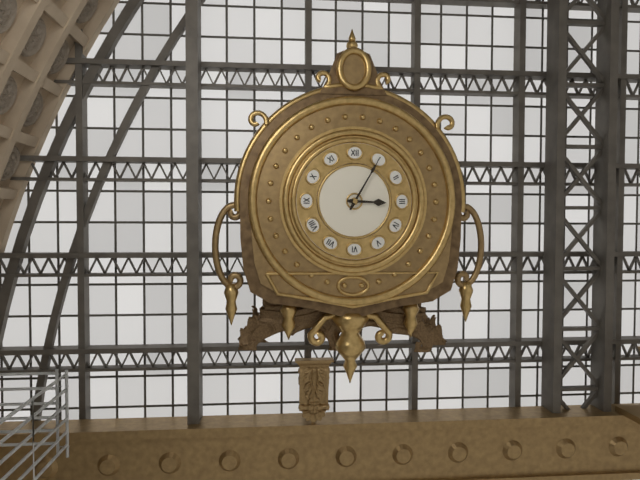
3:05
